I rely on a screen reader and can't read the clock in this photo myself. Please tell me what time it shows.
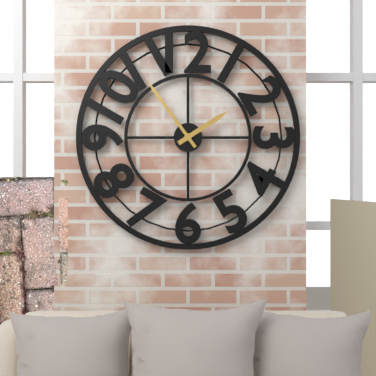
1:54
